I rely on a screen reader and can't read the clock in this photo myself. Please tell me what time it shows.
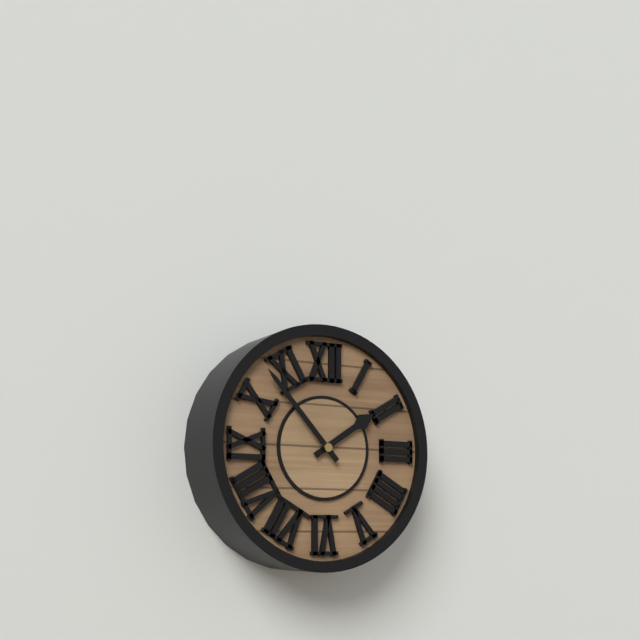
1:53
